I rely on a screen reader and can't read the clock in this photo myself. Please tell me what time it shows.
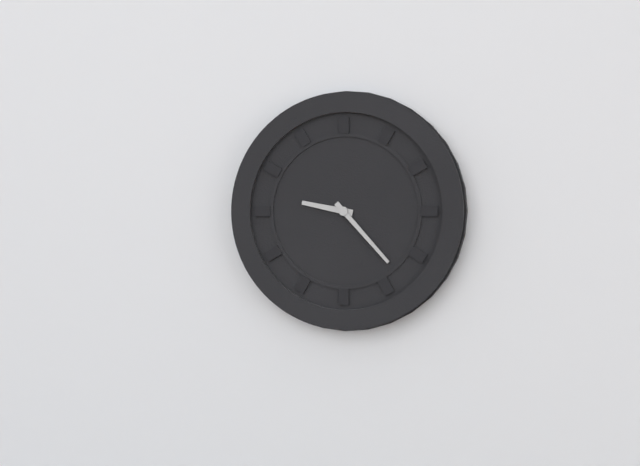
9:23
